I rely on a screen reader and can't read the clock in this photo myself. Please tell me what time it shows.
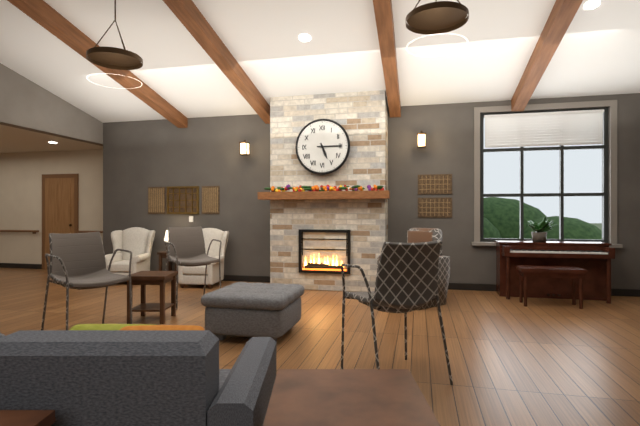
5:15
